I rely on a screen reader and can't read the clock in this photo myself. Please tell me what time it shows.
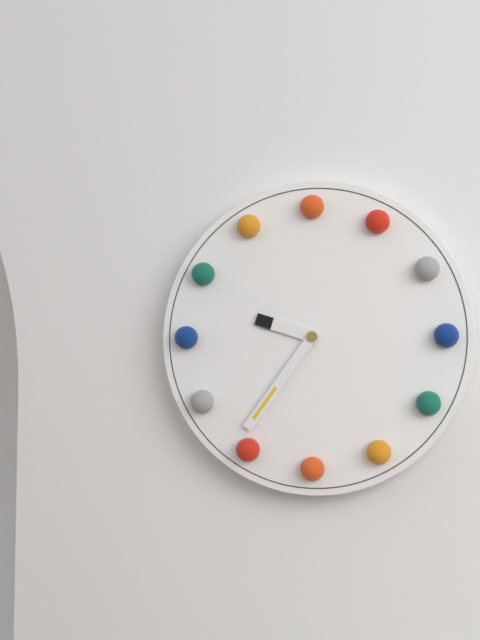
9:36
